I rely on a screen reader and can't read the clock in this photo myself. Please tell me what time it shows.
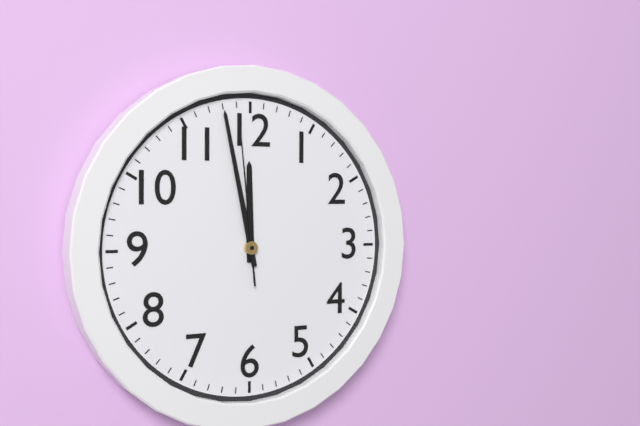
11:58:59
